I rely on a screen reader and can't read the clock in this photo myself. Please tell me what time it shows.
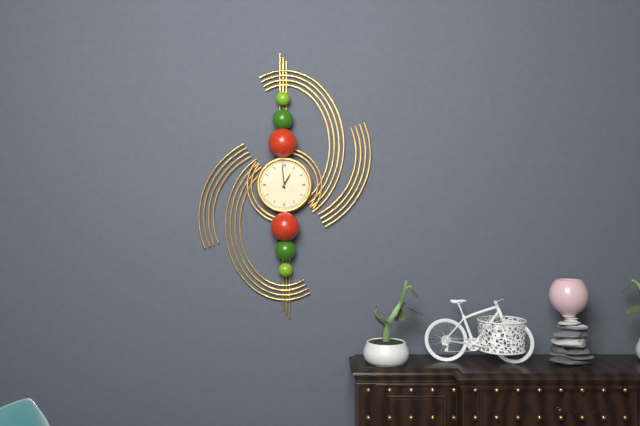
12:59
